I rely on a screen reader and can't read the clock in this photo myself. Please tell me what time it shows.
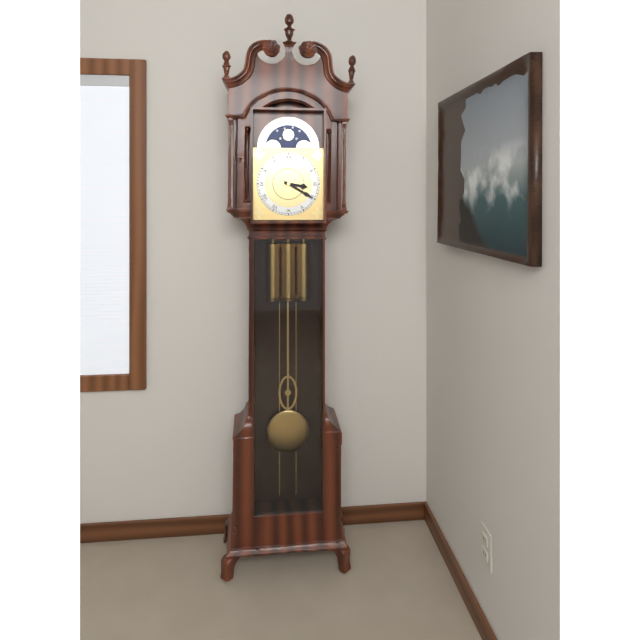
3:20
